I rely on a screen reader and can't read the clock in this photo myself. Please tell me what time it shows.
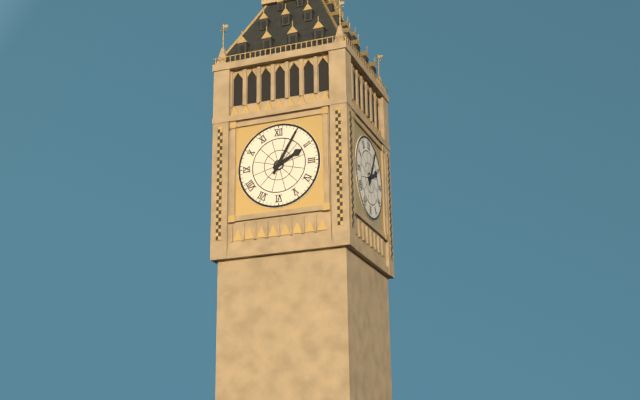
2:05
